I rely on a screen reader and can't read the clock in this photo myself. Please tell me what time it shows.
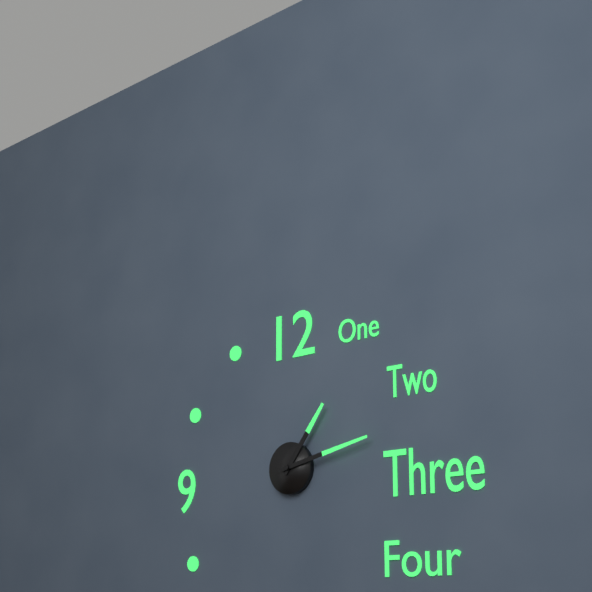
1:13
